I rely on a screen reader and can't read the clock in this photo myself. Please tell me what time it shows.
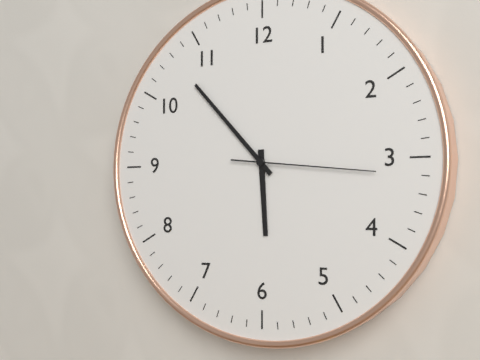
5:53:16
